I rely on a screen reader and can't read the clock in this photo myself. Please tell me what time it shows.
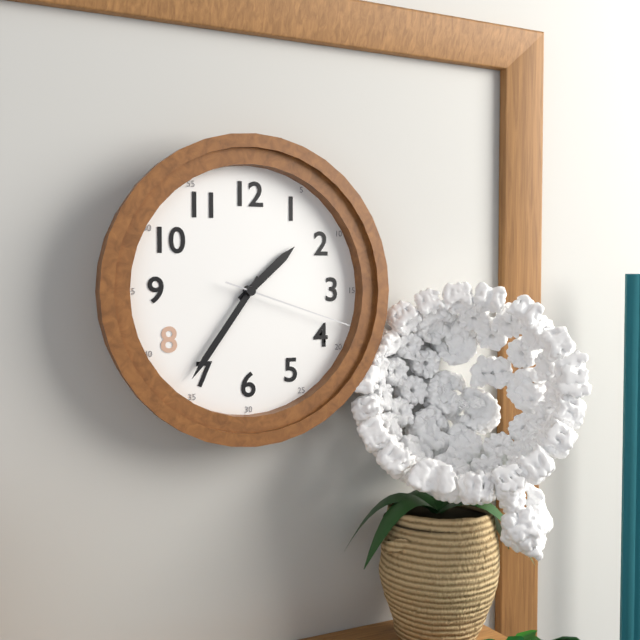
1:36:18
